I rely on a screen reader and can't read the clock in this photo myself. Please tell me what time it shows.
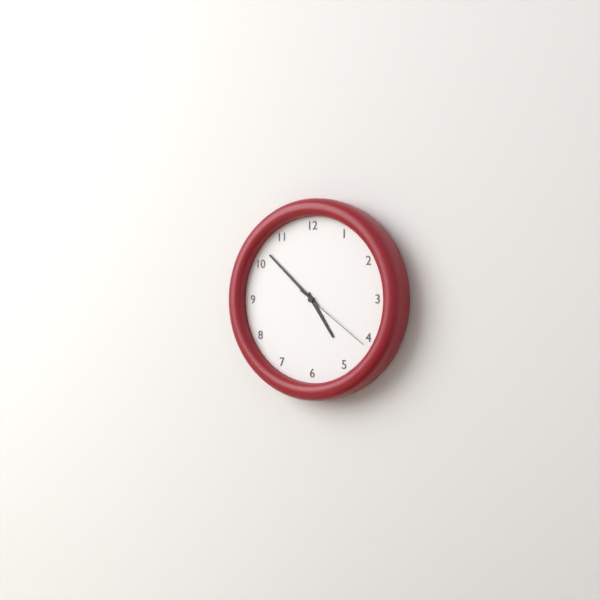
4:52:21
